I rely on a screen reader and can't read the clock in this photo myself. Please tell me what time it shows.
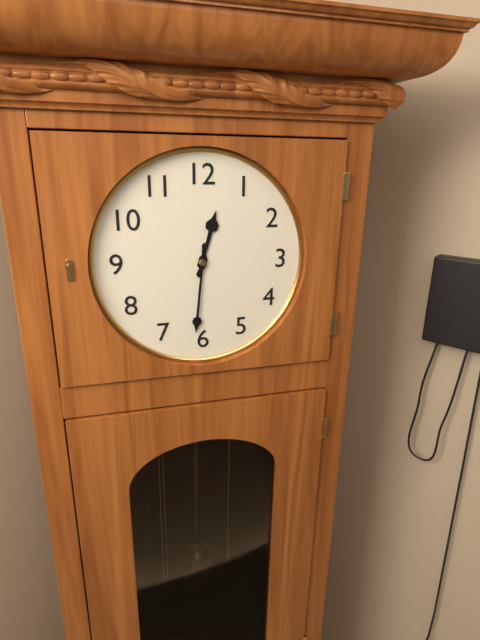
12:31
